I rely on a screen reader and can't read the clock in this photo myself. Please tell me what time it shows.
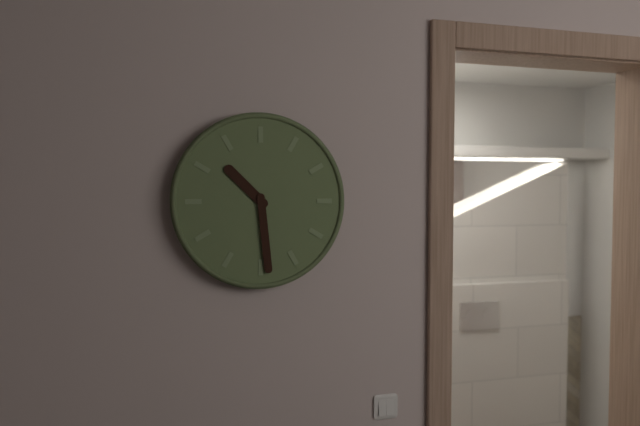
10:29
